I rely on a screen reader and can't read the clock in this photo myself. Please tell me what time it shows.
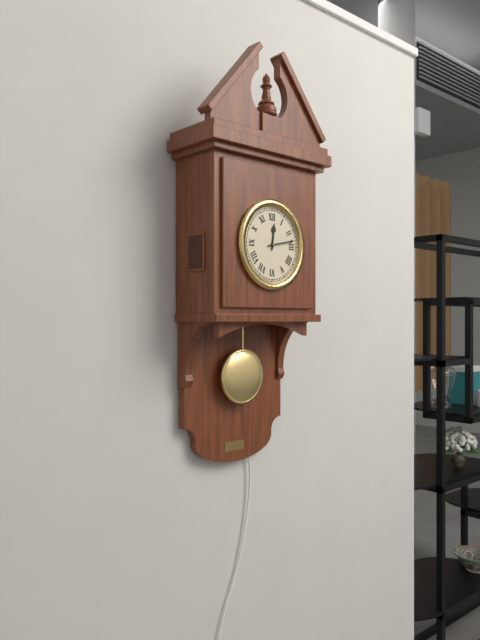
12:13
